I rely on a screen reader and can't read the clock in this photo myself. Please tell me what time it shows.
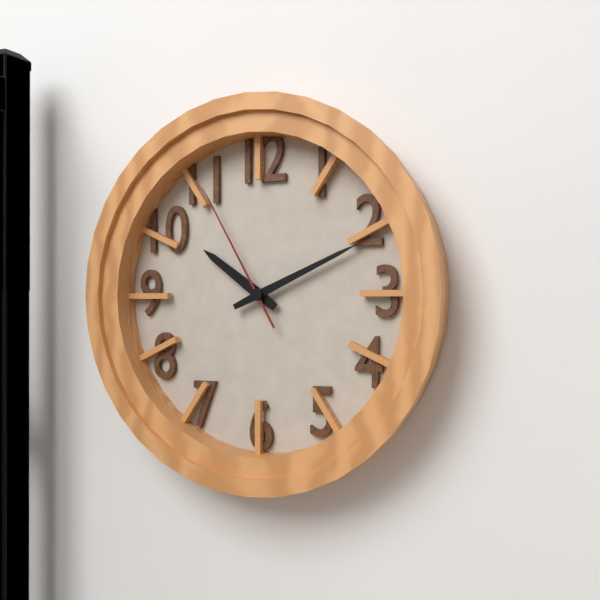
10:11:55
